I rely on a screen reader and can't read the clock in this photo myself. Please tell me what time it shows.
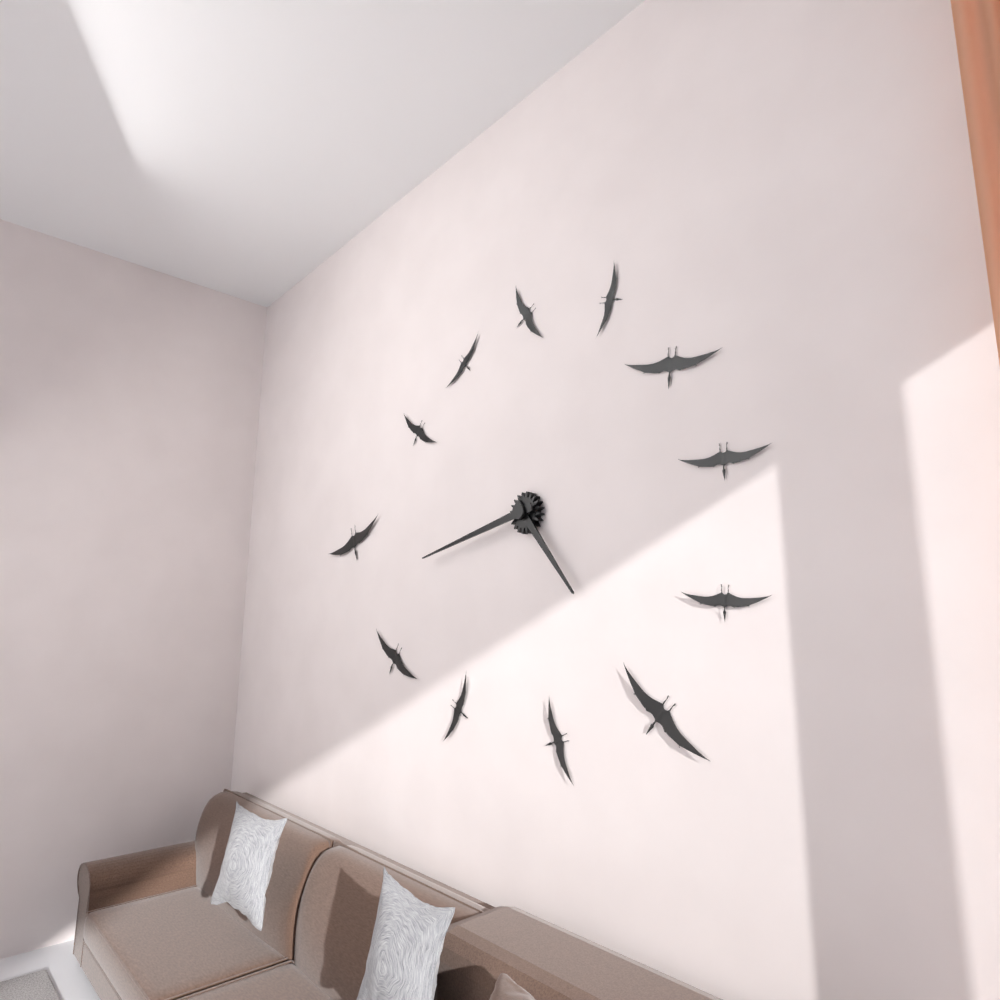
4:43
